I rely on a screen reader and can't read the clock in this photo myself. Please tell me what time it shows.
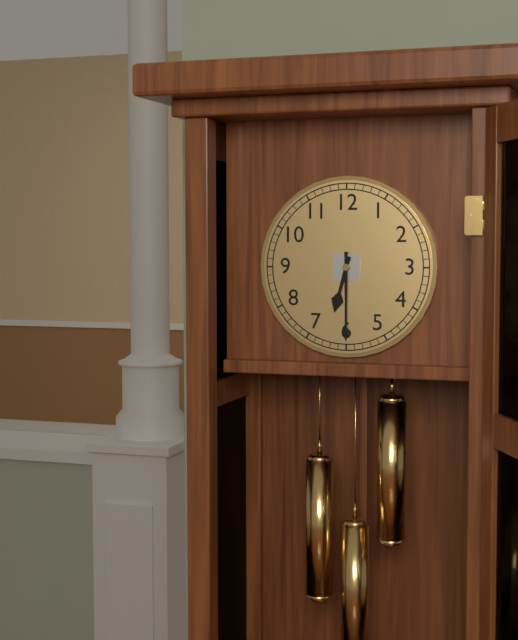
6:30
